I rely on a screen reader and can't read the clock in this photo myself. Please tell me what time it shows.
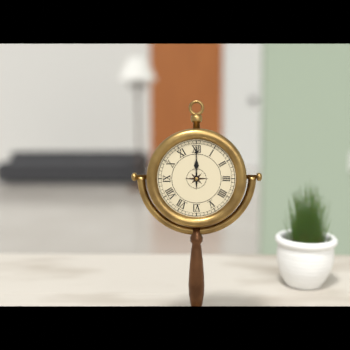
12:00
